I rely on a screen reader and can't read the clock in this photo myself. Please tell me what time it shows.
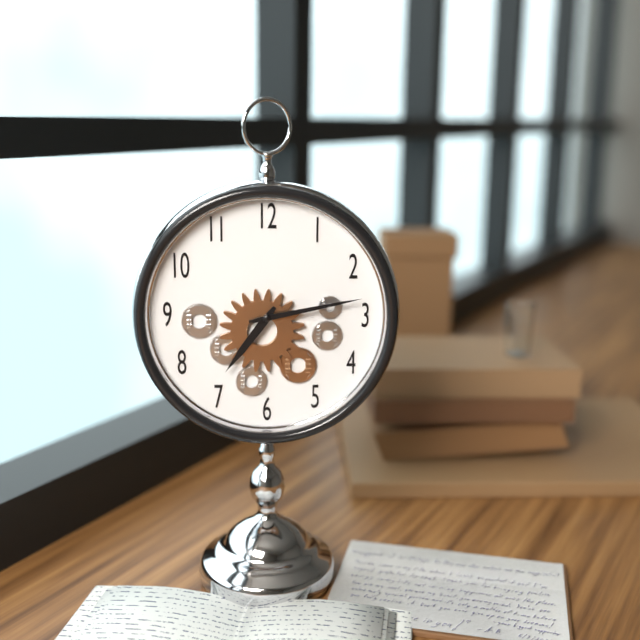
7:13
